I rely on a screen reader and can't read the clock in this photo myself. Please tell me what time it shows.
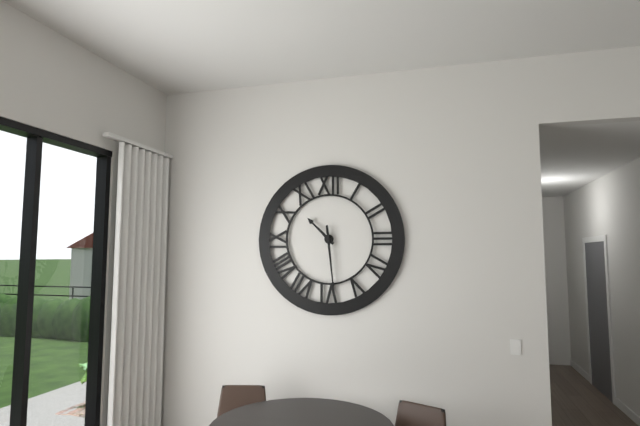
10:29
